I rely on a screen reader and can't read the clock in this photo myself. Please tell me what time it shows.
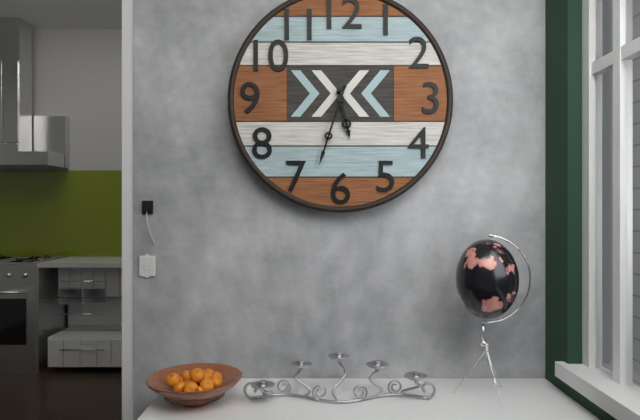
5:33
